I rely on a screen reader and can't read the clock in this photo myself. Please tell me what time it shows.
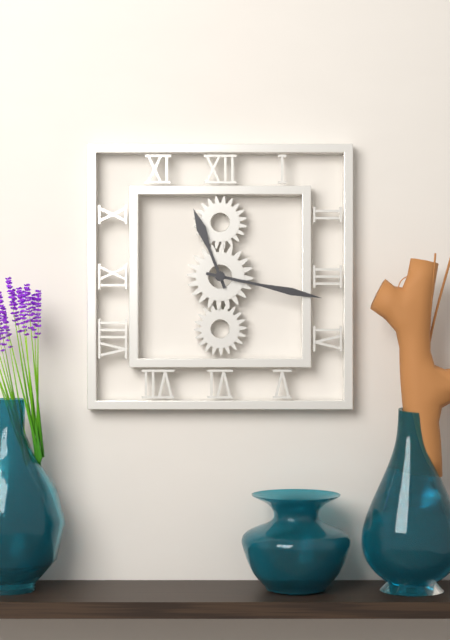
11:17
